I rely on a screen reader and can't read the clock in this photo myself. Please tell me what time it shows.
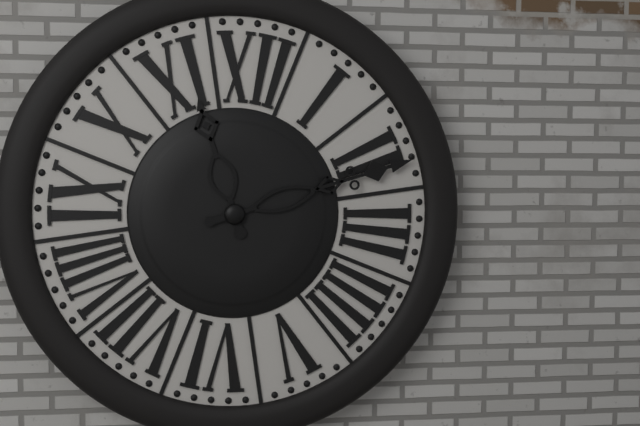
11:11
